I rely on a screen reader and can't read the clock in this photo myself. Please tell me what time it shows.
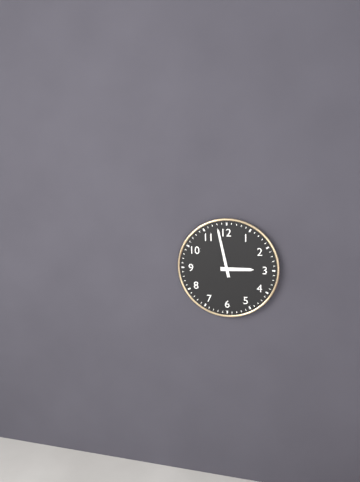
2:58
